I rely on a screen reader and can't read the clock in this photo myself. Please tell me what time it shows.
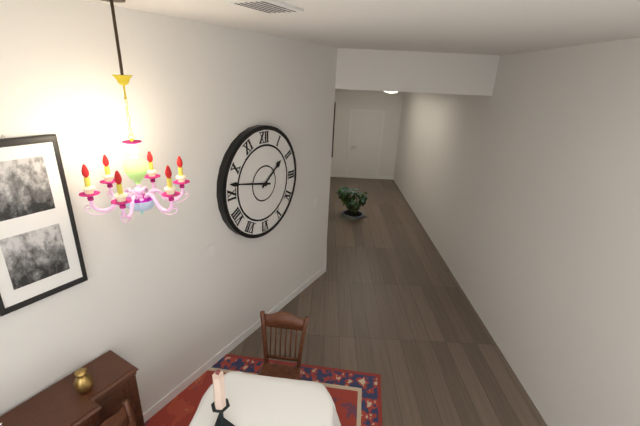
1:47
